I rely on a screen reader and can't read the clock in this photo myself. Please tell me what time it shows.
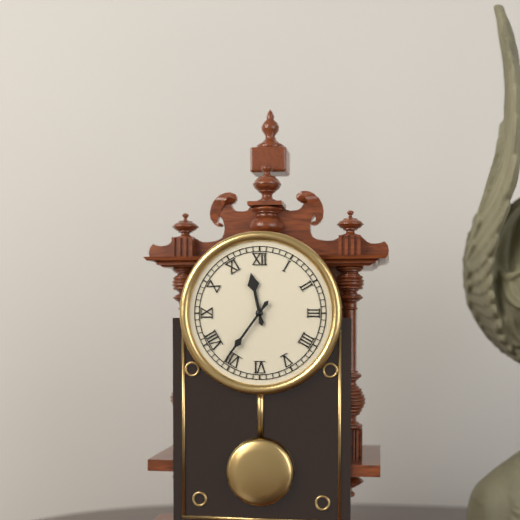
11:36
